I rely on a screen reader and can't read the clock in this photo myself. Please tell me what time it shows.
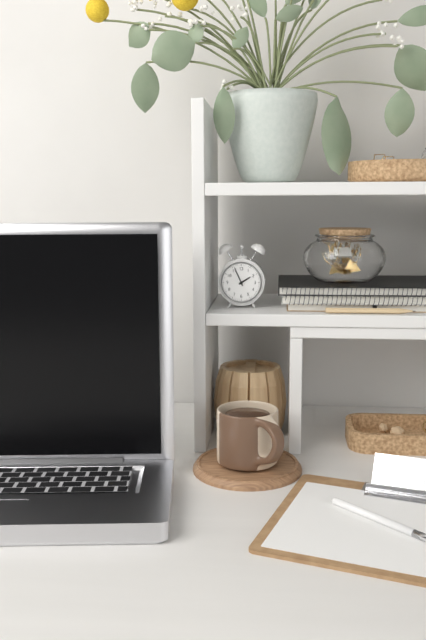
1:56
